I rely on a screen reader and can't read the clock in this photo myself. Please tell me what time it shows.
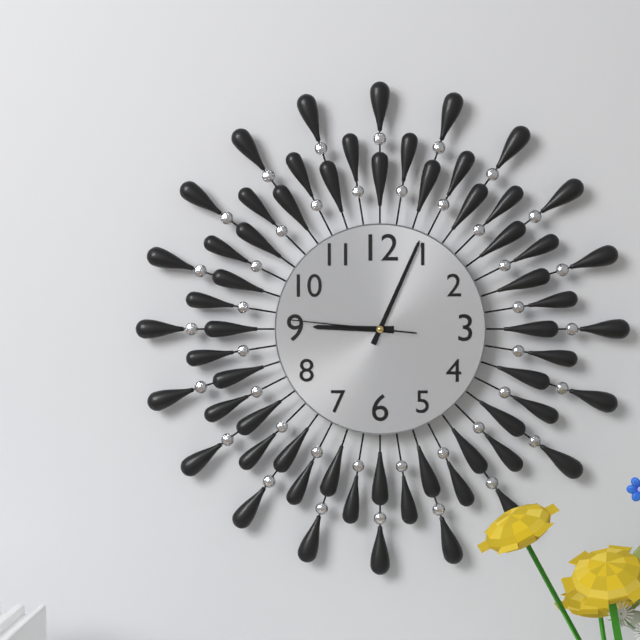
9:04:46
